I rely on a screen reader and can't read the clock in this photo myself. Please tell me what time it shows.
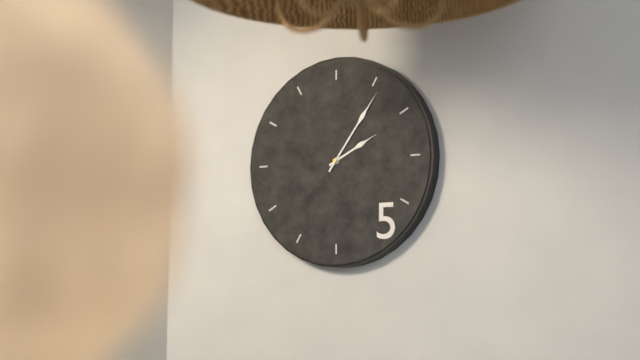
2:06
